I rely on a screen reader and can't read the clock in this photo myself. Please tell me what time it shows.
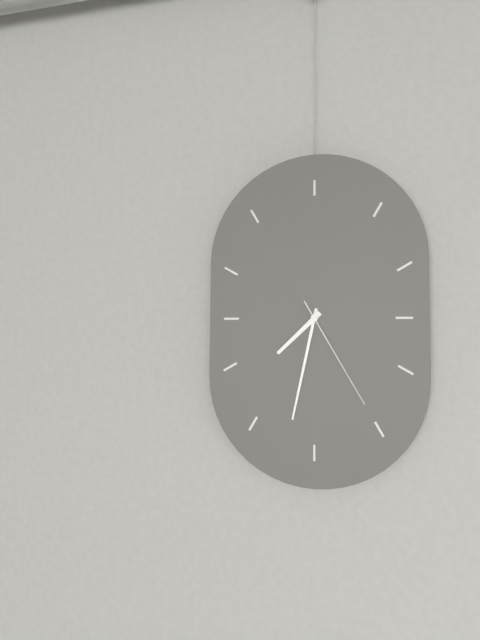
7:32:25
